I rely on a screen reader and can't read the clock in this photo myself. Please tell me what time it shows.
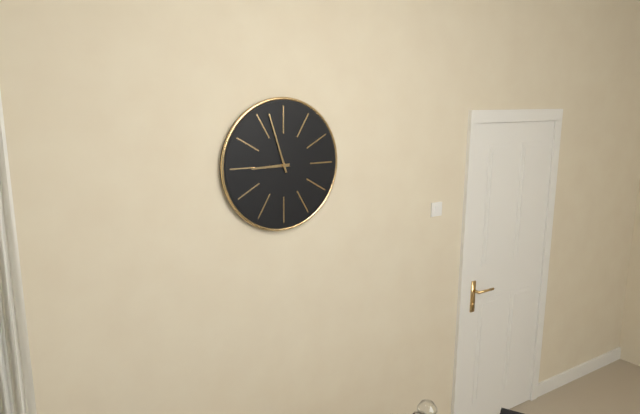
8:57
